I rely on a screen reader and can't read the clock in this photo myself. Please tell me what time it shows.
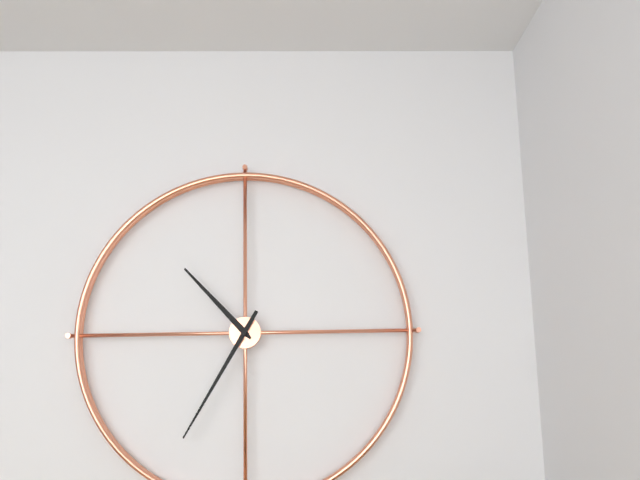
10:35
